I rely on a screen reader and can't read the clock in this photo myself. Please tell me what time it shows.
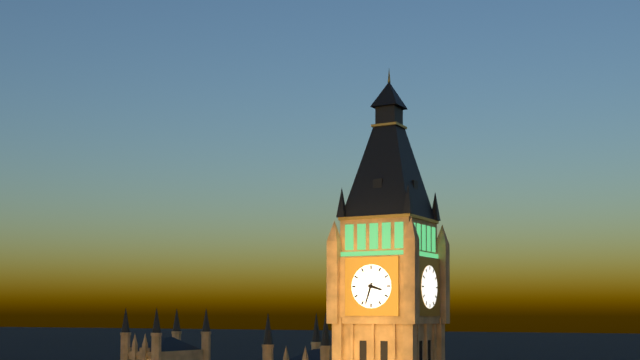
3:33
